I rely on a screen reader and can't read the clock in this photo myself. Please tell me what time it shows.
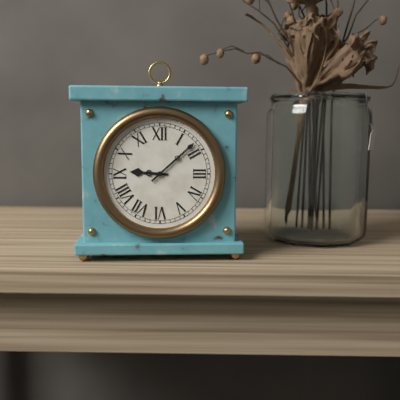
9:08
